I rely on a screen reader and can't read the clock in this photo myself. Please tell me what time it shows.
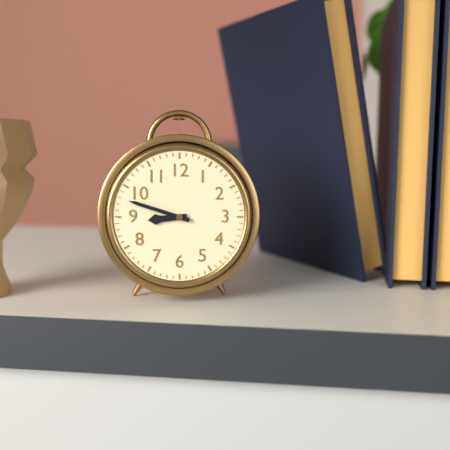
8:48
